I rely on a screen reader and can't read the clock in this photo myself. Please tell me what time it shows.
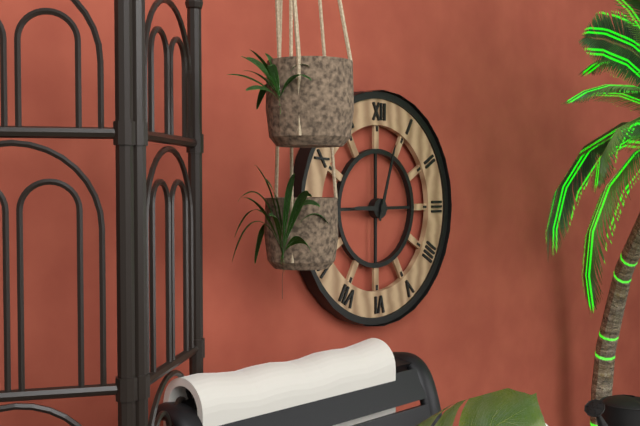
9:03
